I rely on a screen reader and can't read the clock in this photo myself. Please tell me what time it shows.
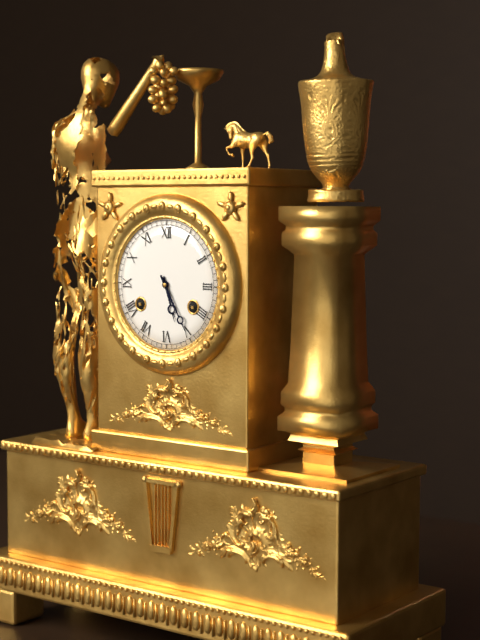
5:25
